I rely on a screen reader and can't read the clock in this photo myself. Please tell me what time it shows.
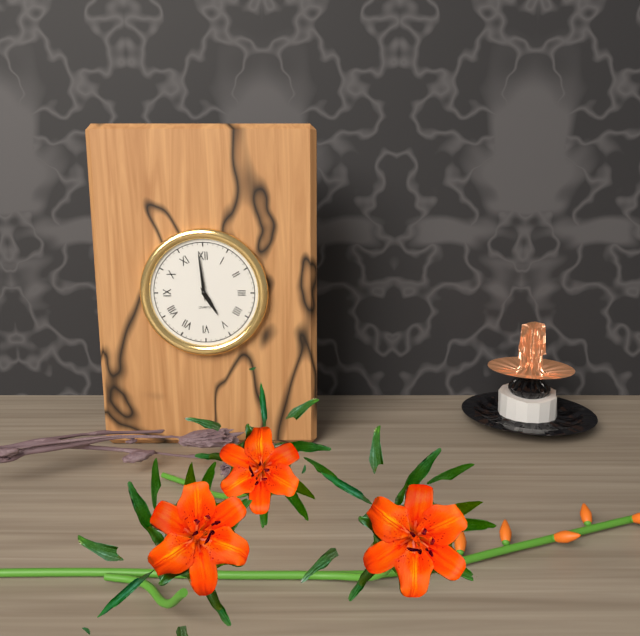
4:59
